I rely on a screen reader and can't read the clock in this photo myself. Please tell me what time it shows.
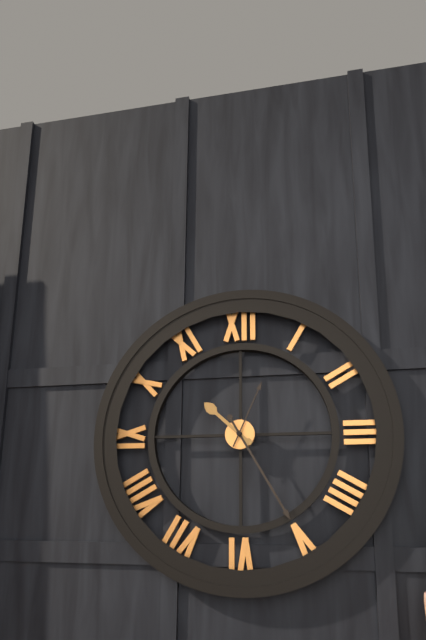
10:25:04
